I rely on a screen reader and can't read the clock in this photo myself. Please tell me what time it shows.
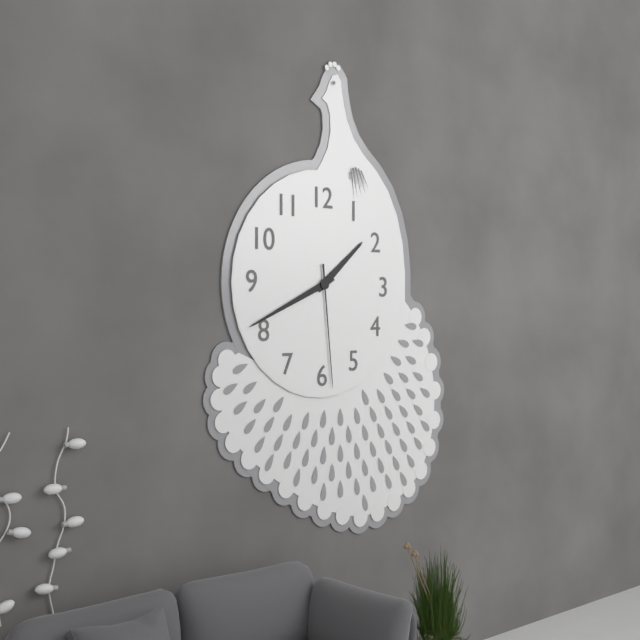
1:41:29
